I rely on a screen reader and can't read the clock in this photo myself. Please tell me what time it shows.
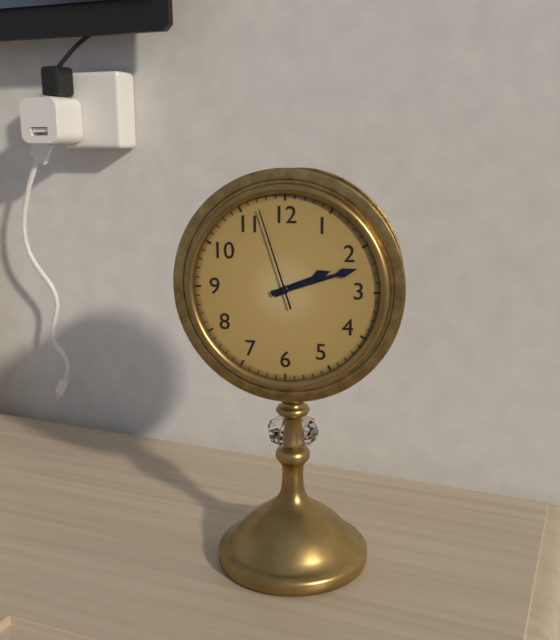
2:12:57
